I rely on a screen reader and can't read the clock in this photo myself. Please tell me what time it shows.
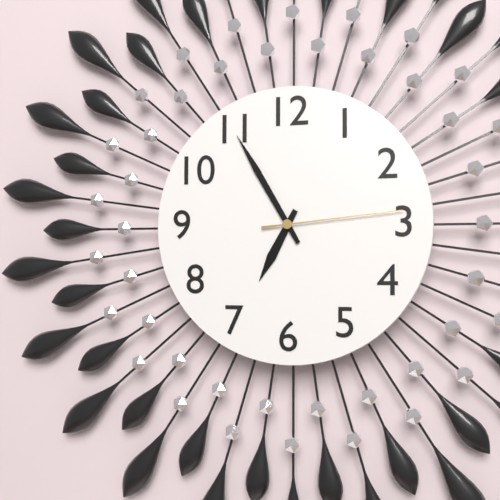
6:55:14
